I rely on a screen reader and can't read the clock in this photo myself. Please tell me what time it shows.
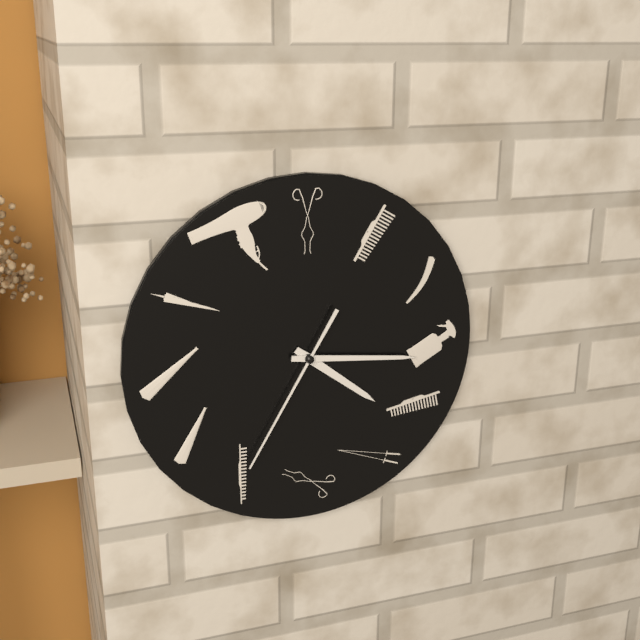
4:16:35
